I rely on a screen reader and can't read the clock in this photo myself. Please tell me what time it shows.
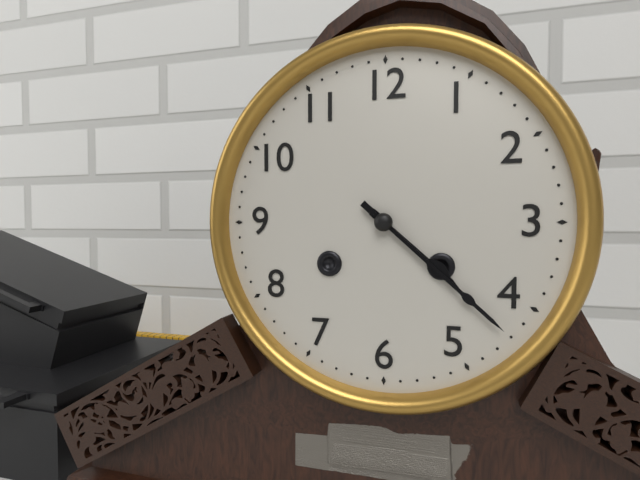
4:22
